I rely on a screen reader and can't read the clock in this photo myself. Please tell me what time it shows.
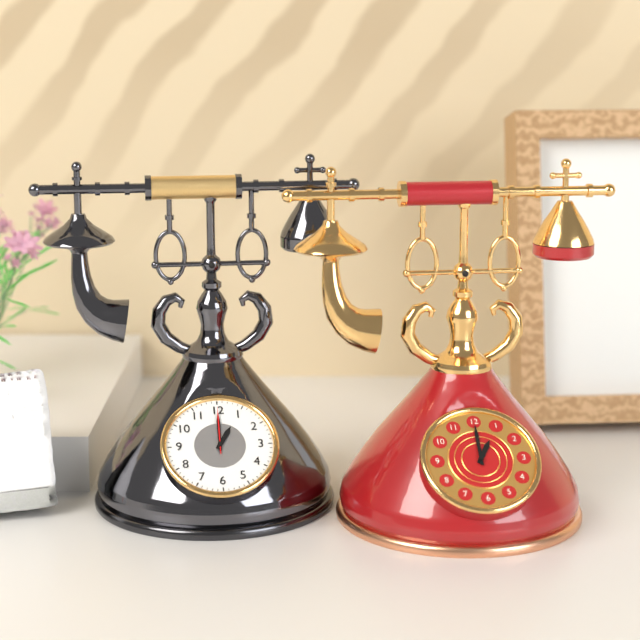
1:00
